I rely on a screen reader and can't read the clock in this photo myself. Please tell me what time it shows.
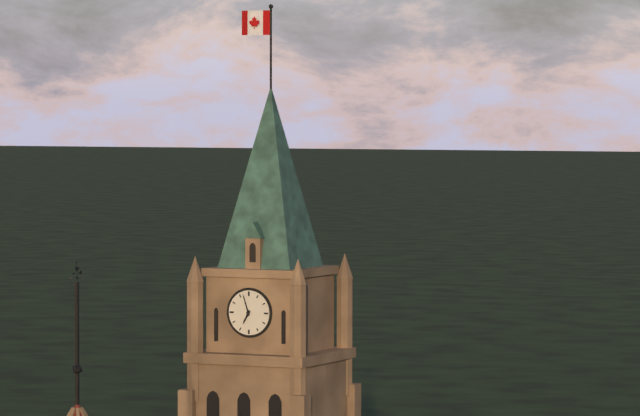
6:57
